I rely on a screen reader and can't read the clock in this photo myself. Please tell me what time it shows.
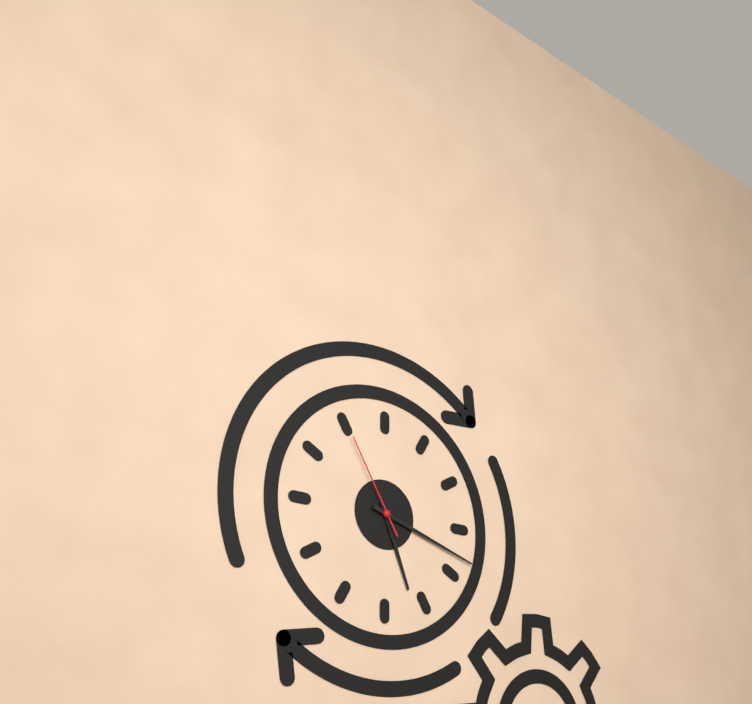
5:18:55
